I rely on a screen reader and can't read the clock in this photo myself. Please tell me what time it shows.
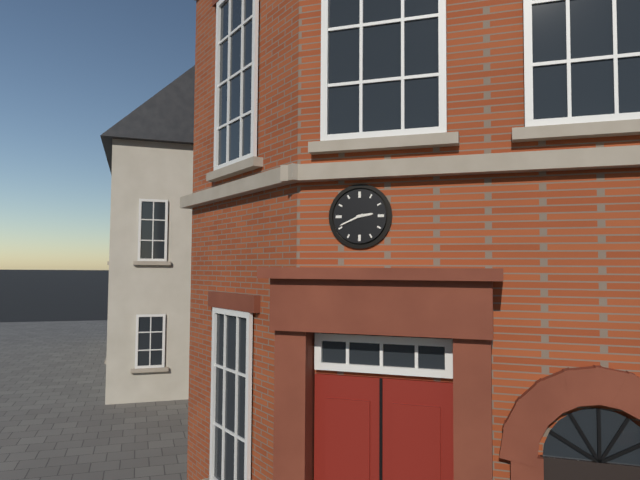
2:41
